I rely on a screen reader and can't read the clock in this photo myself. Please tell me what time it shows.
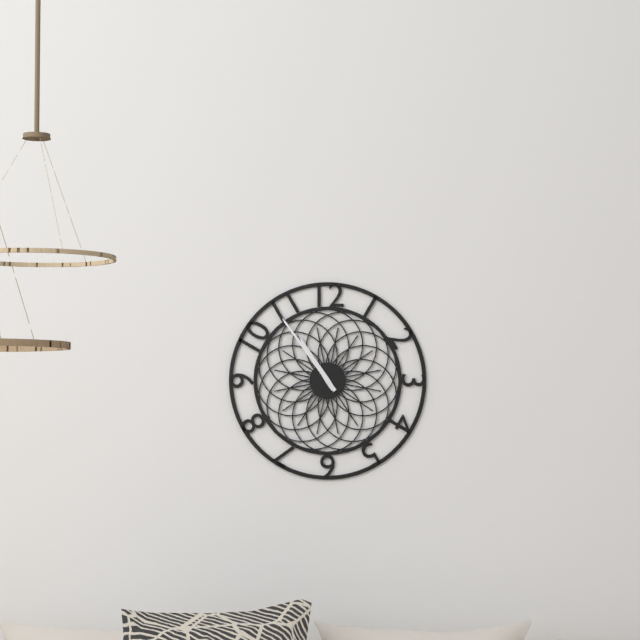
10:54
